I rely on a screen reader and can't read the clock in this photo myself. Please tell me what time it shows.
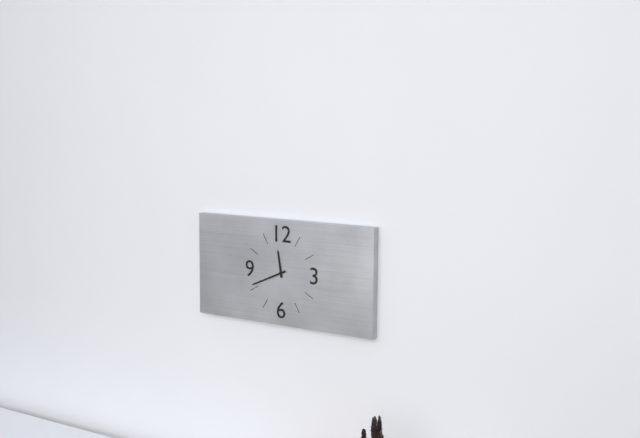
11:41
